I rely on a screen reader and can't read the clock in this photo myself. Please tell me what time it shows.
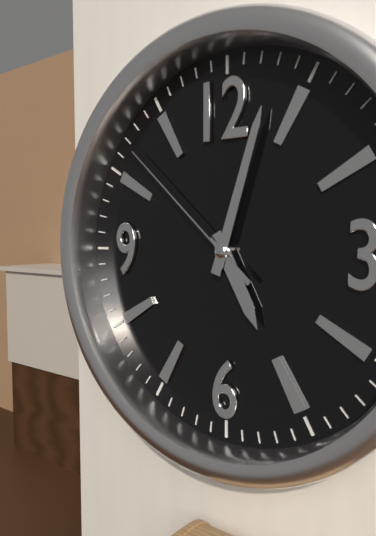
5:03:52
